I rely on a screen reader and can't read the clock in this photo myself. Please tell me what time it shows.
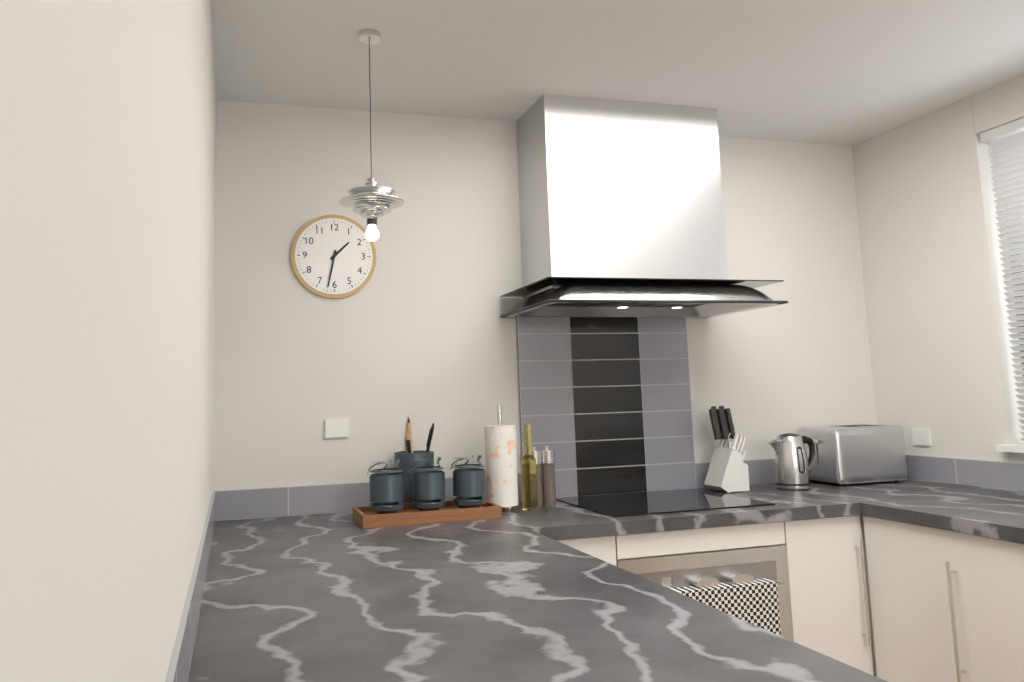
1:32
